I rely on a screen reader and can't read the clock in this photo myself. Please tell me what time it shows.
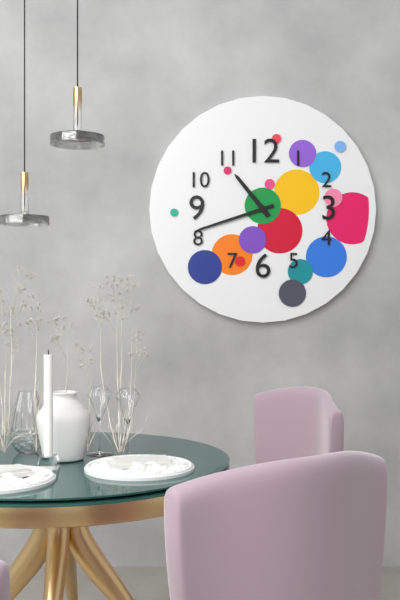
10:42
